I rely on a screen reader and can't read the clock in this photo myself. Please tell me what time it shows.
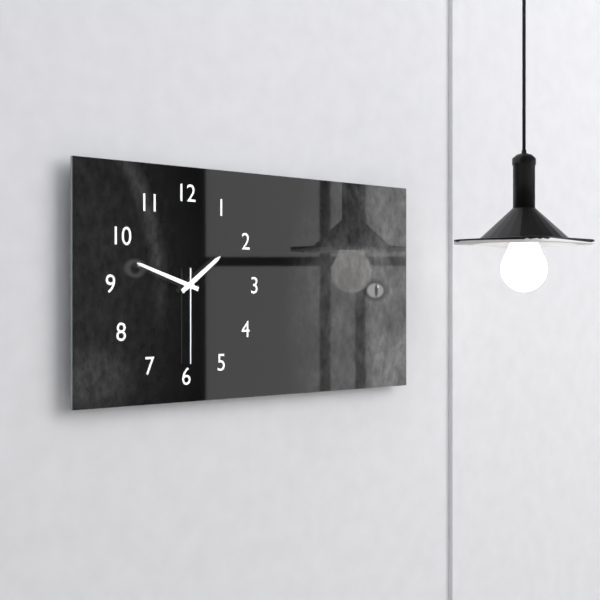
1:48:30
